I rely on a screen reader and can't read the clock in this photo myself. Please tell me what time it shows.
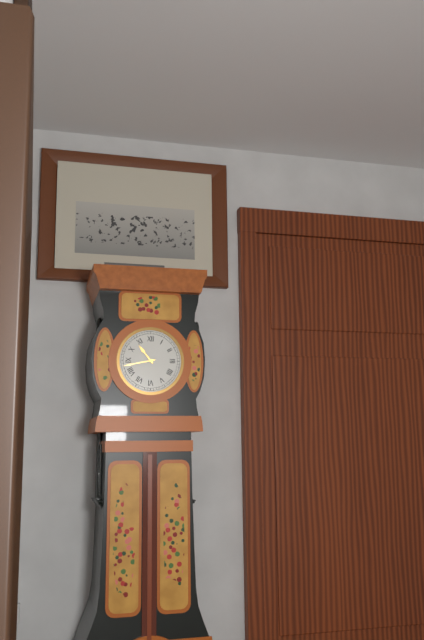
10:43
